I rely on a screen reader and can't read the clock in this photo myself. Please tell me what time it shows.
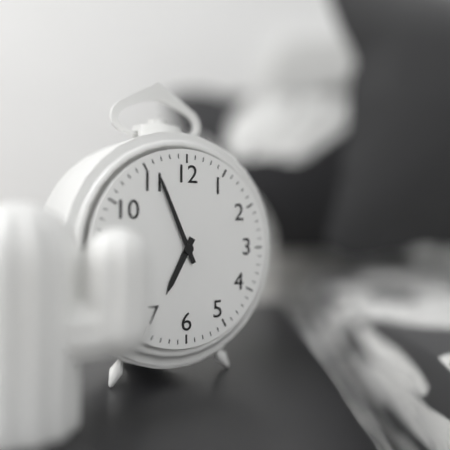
6:56
